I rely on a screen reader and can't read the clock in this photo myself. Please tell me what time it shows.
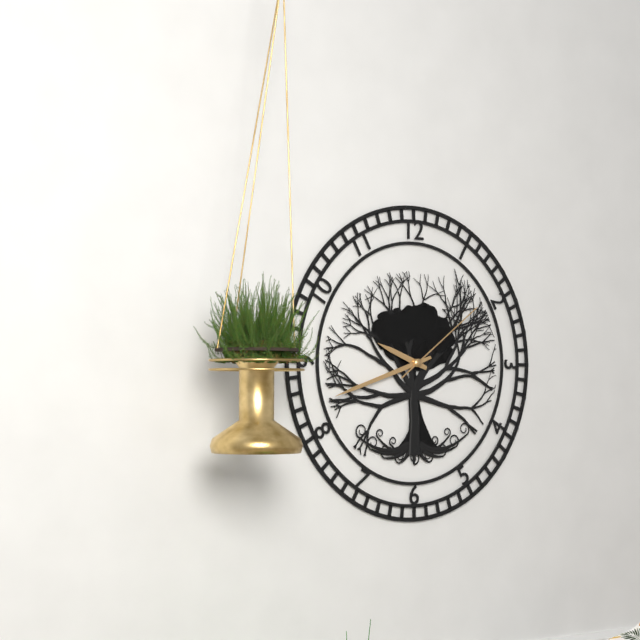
9:42:09
